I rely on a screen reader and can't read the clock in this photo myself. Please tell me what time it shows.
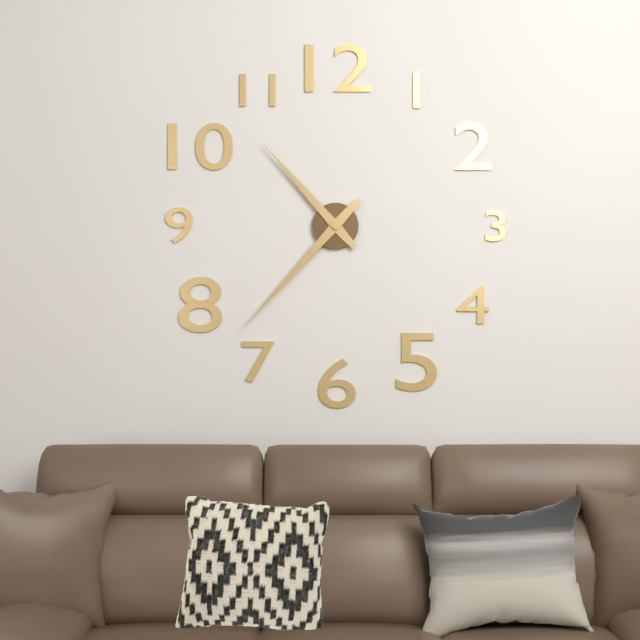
10:37
